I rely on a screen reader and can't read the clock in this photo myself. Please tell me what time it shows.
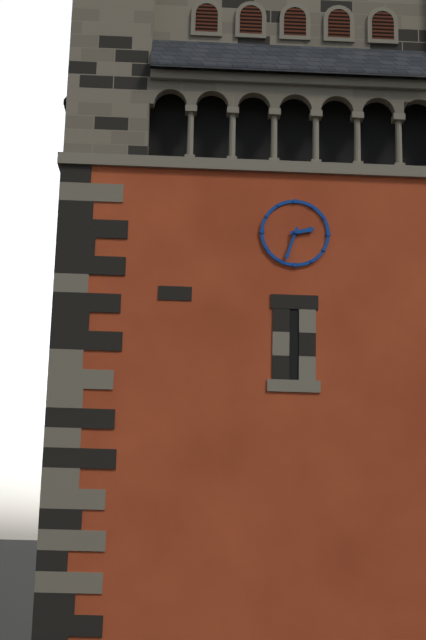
2:33
